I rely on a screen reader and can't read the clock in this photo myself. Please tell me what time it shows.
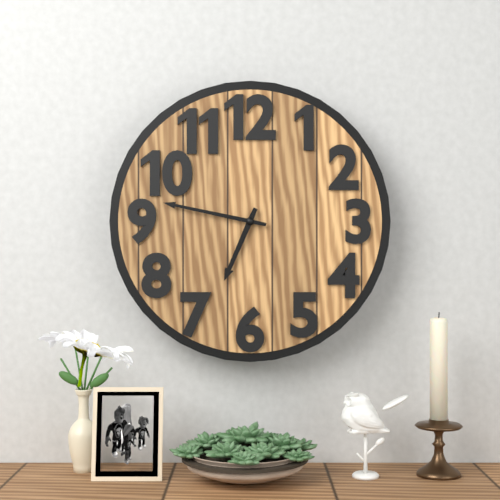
6:47
